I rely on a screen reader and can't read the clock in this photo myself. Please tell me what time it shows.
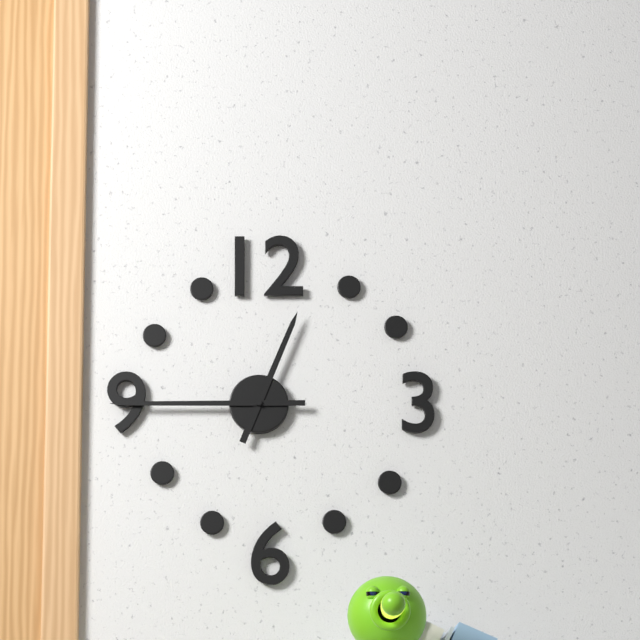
12:45
